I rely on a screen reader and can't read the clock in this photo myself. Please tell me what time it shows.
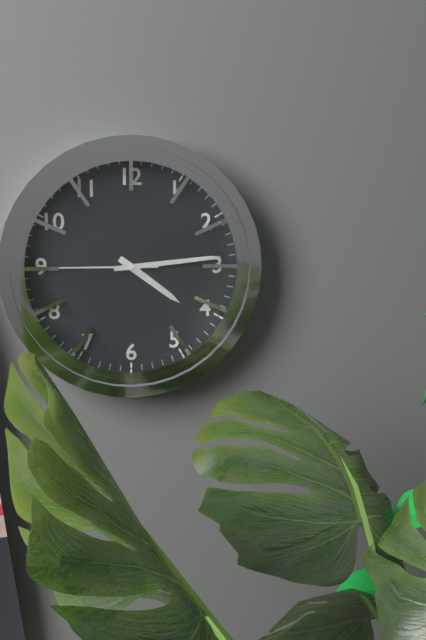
4:14:45
